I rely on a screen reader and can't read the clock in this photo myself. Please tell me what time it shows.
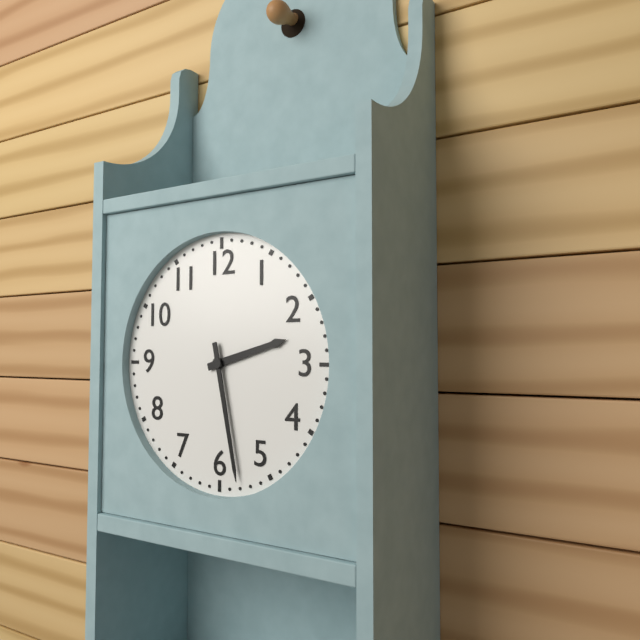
2:28
